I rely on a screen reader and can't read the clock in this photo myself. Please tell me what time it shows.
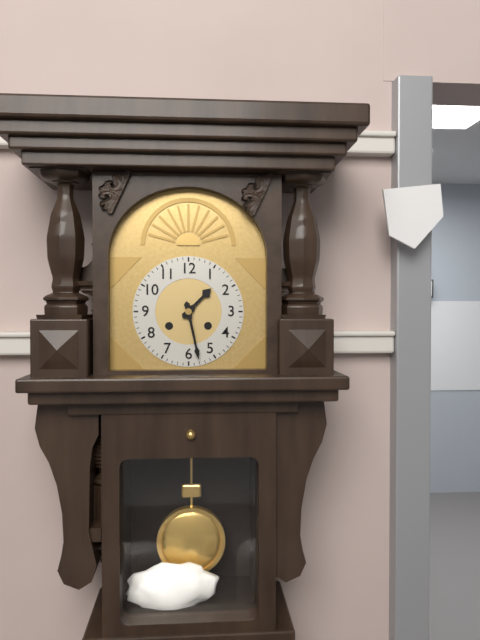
1:28
